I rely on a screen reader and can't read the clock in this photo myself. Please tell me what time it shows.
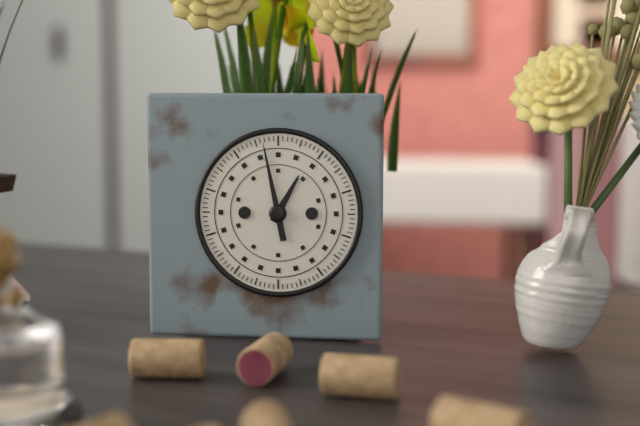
12:58
